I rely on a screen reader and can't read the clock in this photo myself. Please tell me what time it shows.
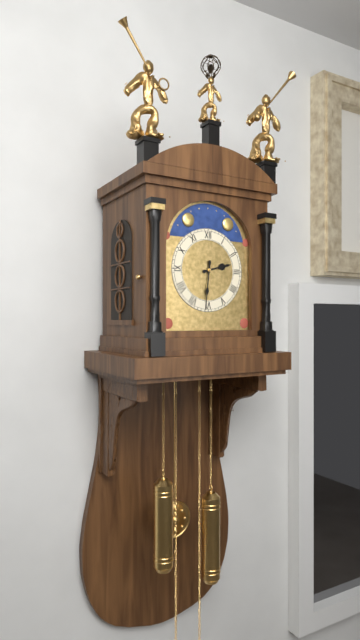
2:31
